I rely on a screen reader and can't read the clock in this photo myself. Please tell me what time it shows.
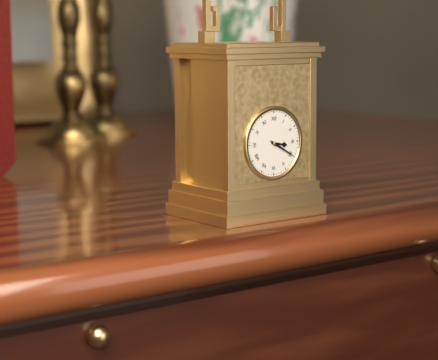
3:20
